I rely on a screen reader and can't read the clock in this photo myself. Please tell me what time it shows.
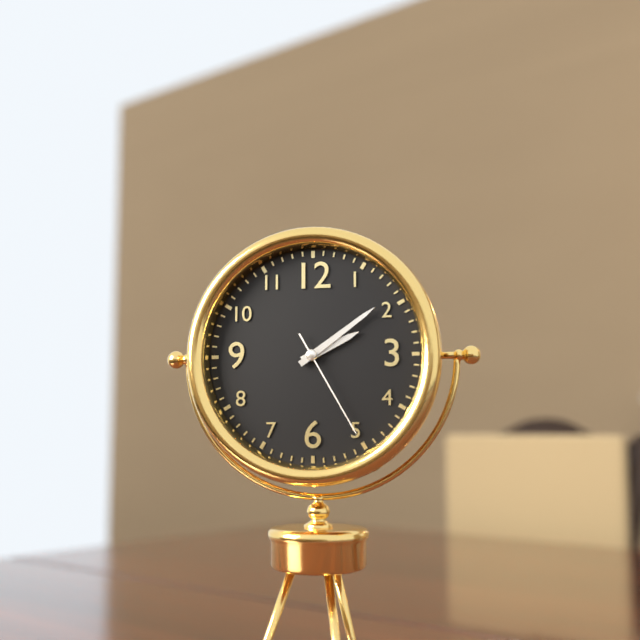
2:09:25
